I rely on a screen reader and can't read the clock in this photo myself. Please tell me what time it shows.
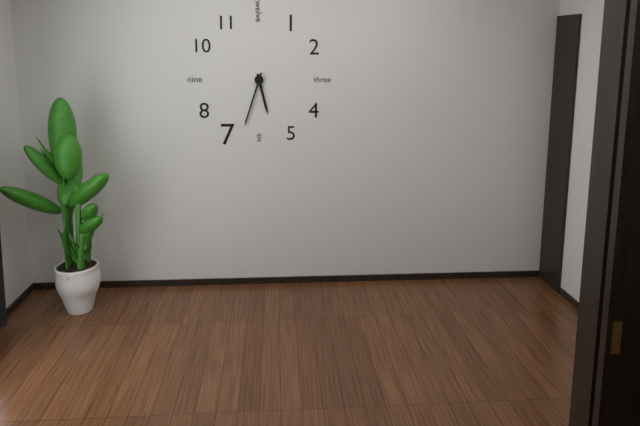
5:33
